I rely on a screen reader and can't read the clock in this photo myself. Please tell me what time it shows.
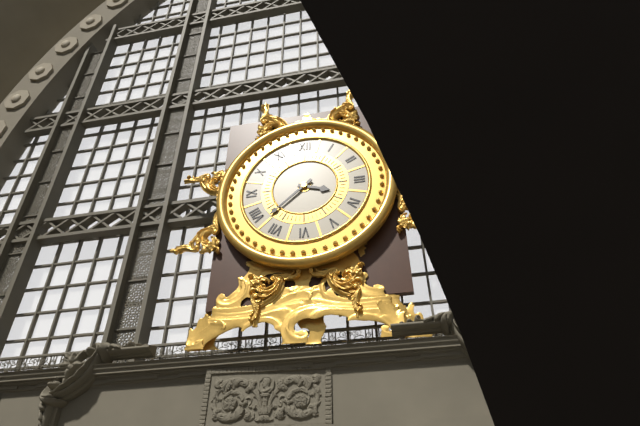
3:38
